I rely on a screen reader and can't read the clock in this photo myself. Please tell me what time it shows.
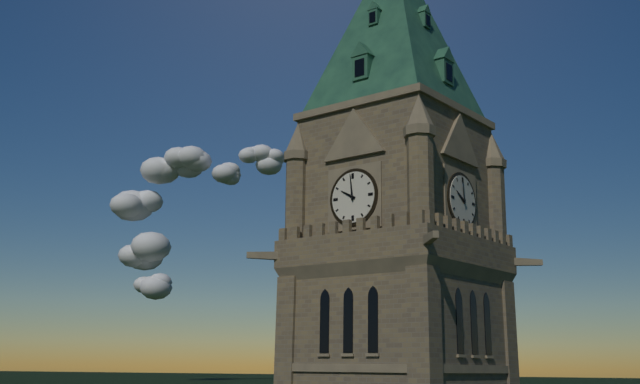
9:59
